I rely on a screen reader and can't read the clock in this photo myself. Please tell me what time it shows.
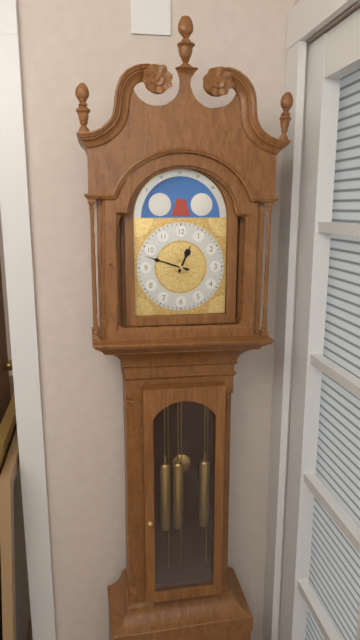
12:48
